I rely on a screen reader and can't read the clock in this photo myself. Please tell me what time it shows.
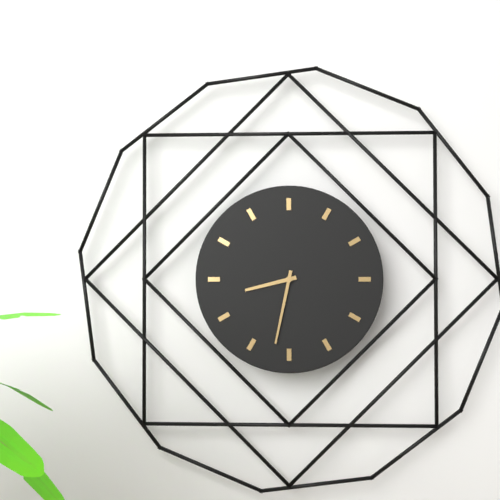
8:32
